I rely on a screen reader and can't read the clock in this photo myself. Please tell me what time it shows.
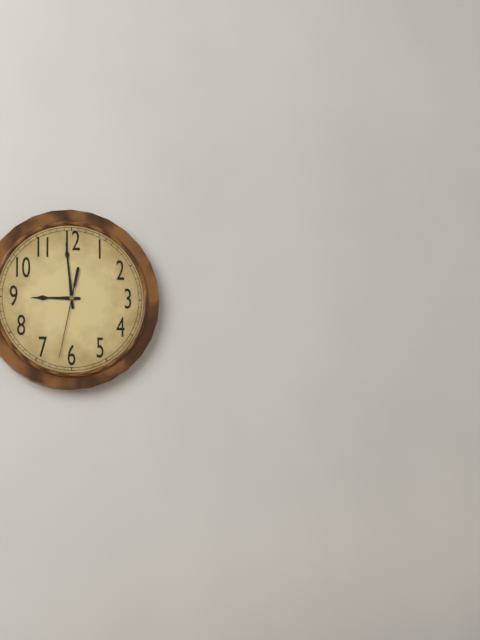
8:59:32
